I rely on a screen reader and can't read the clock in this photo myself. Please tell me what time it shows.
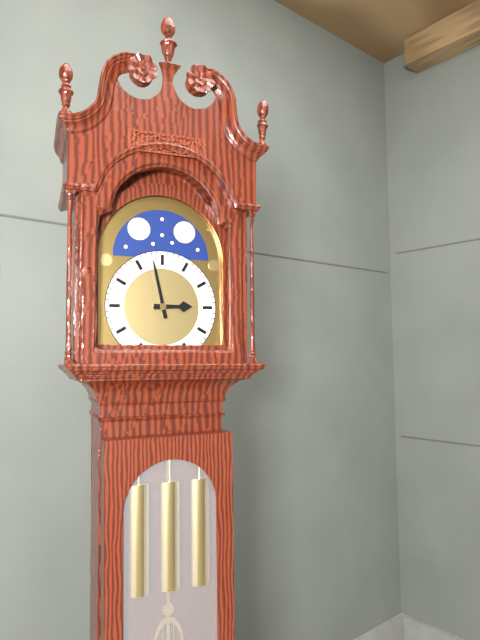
2:58
